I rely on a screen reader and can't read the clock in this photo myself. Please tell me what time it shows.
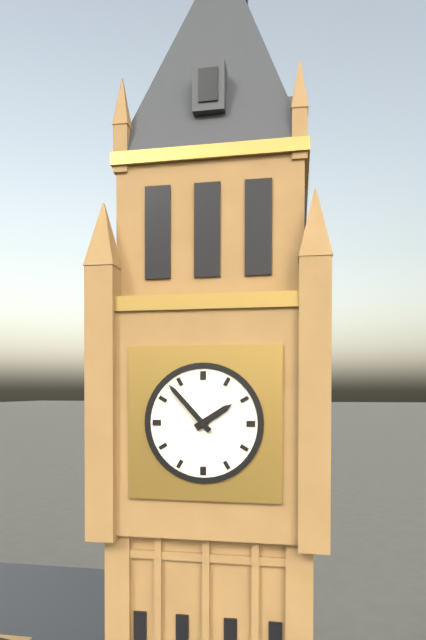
1:53
